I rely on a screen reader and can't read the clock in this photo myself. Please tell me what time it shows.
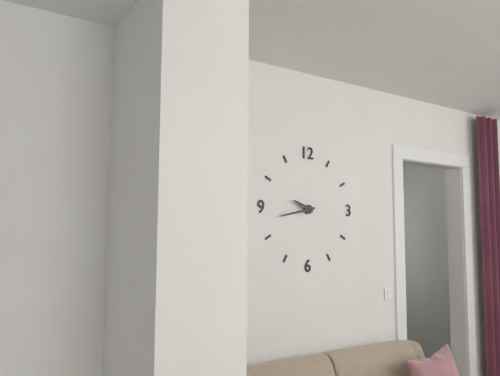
9:43
